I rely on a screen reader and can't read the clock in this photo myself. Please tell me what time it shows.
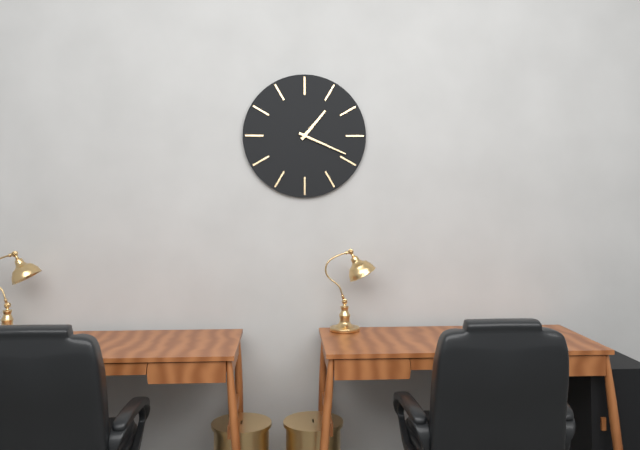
1:19
